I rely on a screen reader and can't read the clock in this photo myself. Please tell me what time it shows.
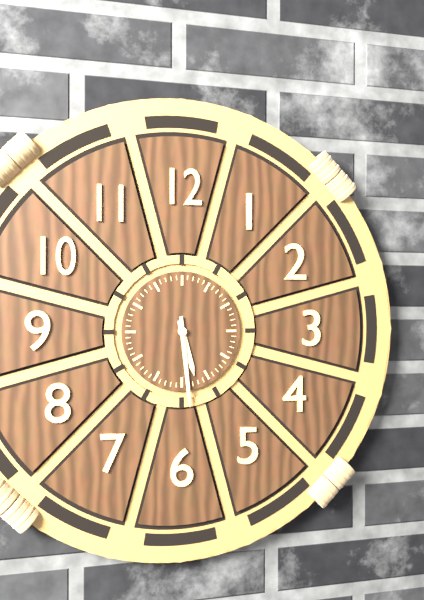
5:29
